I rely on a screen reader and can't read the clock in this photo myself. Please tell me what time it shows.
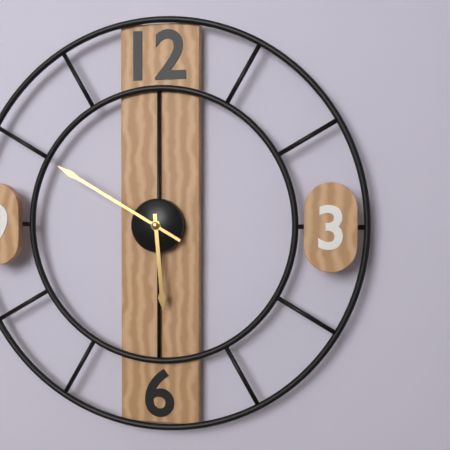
5:50
